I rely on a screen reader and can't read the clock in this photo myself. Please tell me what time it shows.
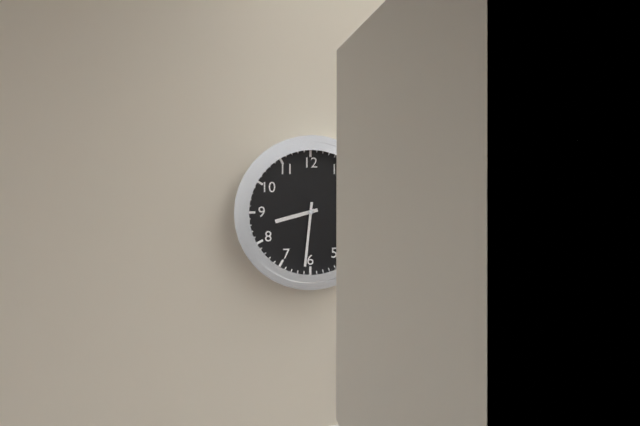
8:31
